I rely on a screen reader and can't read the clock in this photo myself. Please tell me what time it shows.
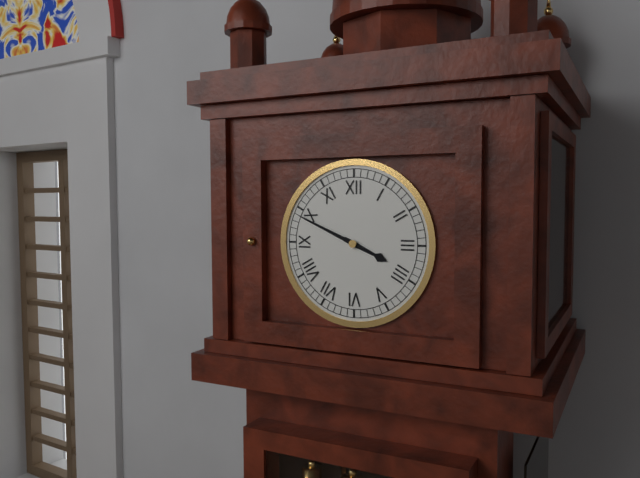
3:49
